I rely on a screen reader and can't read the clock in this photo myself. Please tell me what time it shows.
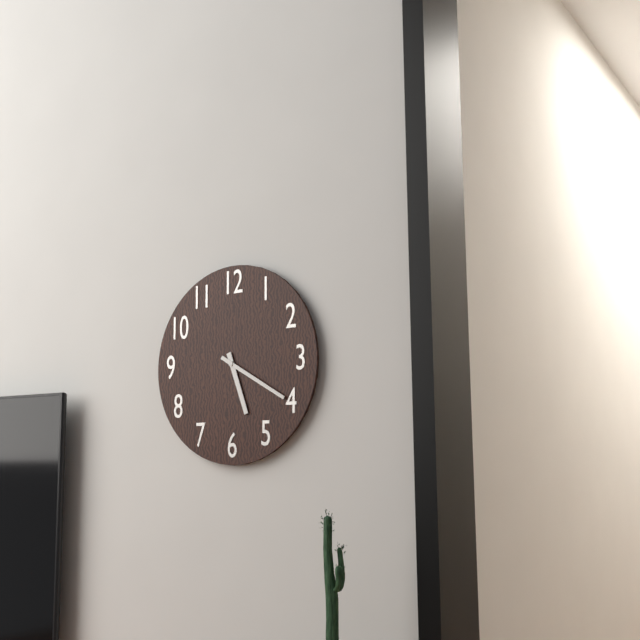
5:20
